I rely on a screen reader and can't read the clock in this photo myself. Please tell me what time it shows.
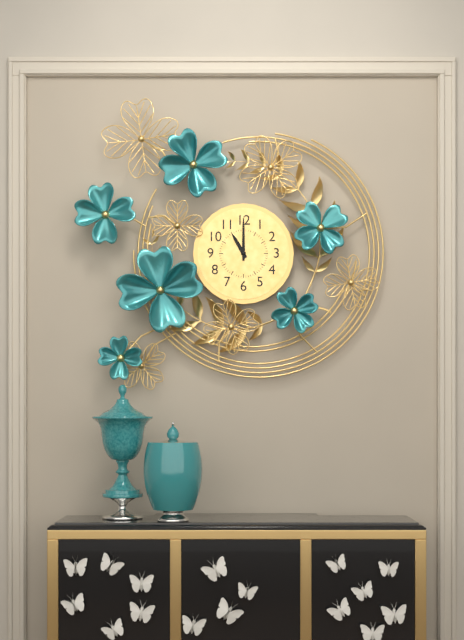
11:00
